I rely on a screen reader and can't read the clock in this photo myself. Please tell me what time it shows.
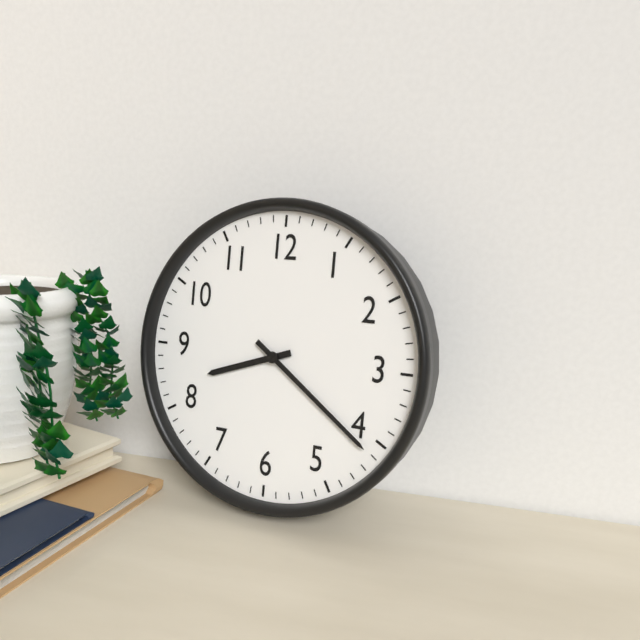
8:21
